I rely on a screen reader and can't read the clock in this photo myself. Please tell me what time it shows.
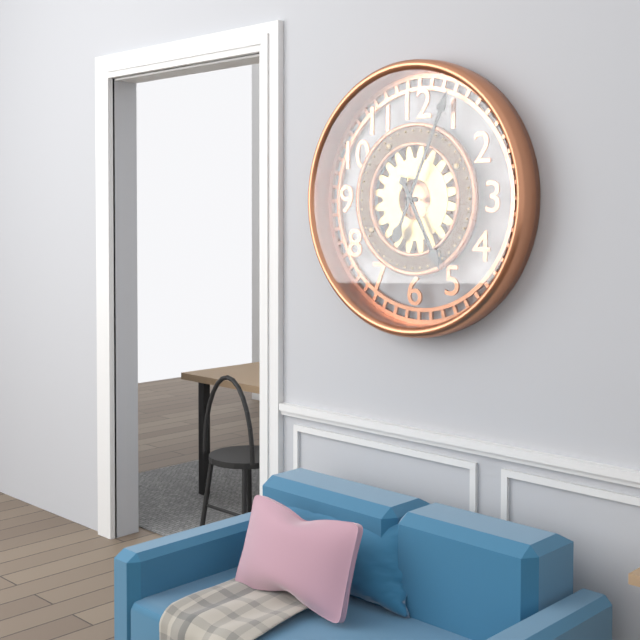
5:04
